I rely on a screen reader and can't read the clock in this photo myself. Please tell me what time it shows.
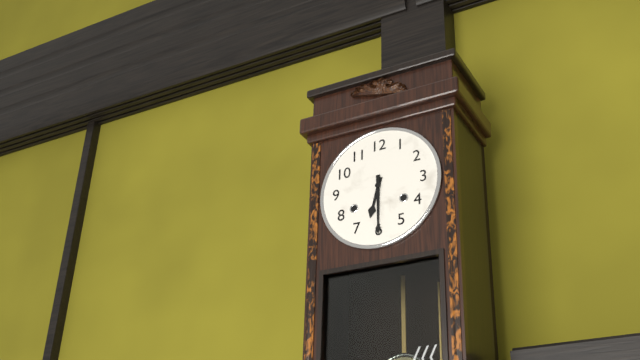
6:30
